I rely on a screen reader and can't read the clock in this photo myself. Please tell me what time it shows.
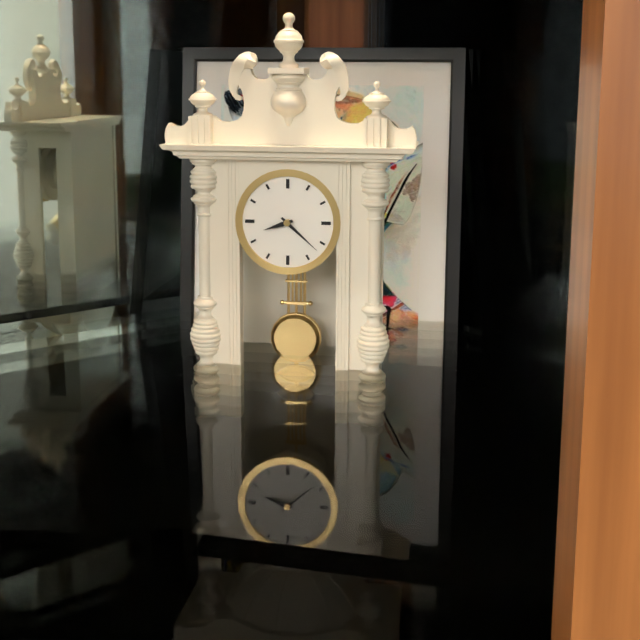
8:22
